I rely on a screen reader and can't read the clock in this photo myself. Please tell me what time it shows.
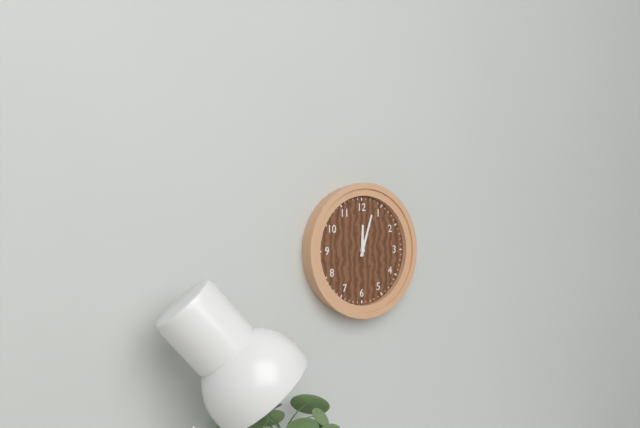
12:03
